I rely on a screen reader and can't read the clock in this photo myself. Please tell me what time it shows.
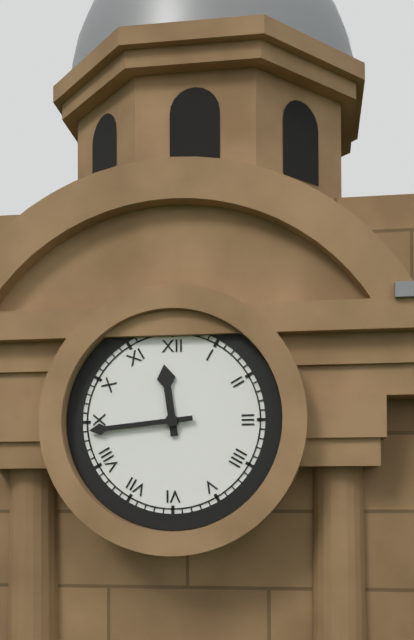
11:44
